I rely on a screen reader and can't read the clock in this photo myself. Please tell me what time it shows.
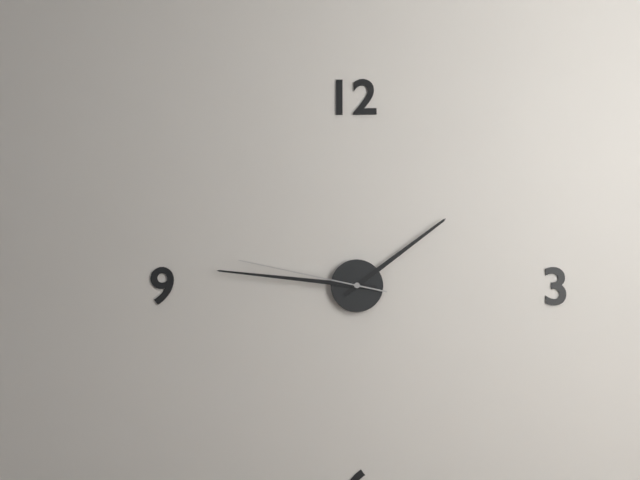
1:46:47
